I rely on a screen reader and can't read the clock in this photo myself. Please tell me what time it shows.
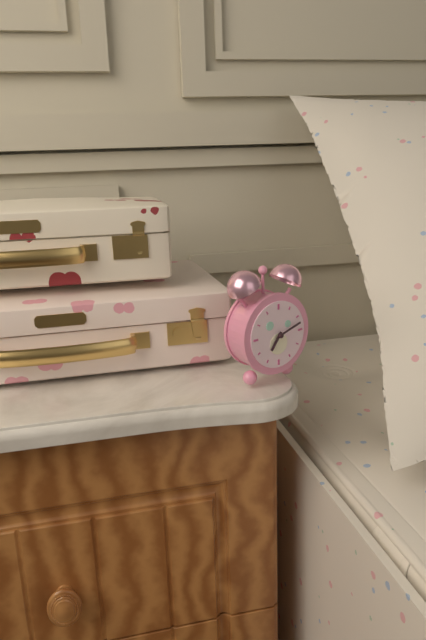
7:12
